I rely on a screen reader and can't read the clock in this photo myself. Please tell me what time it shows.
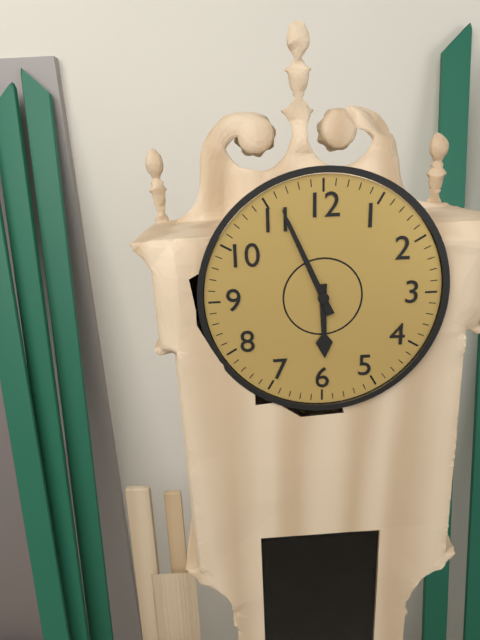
5:56
